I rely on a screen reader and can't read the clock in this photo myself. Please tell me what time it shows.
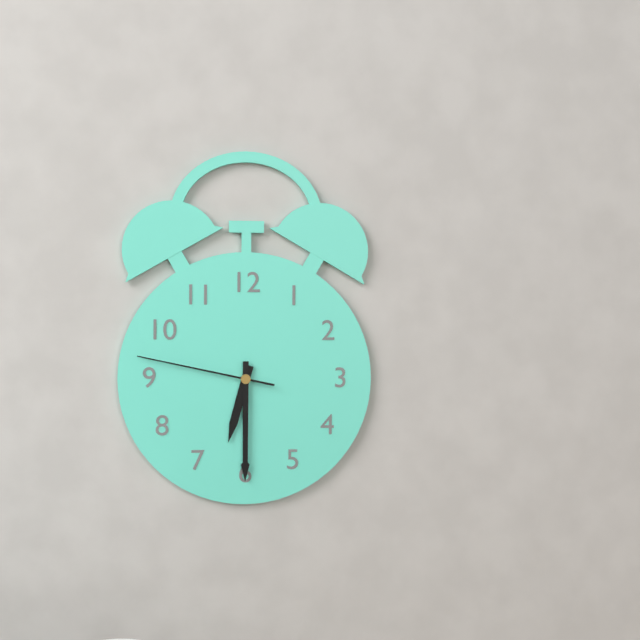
6:30:47
